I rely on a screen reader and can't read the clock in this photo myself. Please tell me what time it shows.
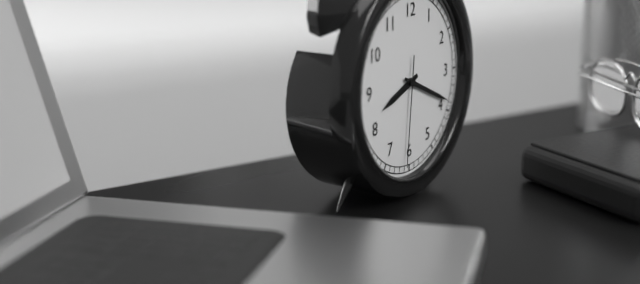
8:19:31
